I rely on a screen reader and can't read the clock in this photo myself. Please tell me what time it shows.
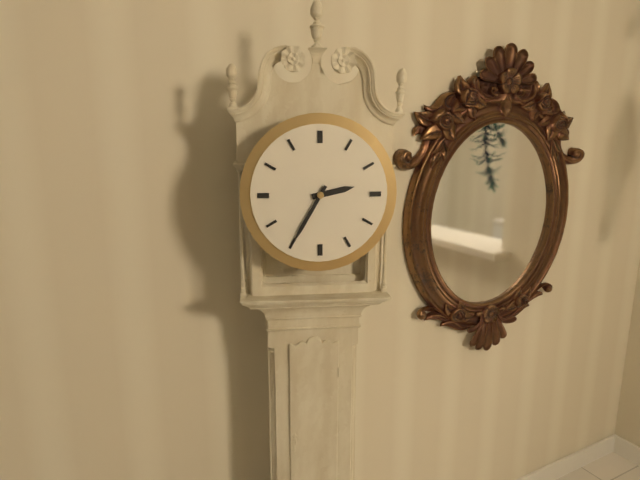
2:35
